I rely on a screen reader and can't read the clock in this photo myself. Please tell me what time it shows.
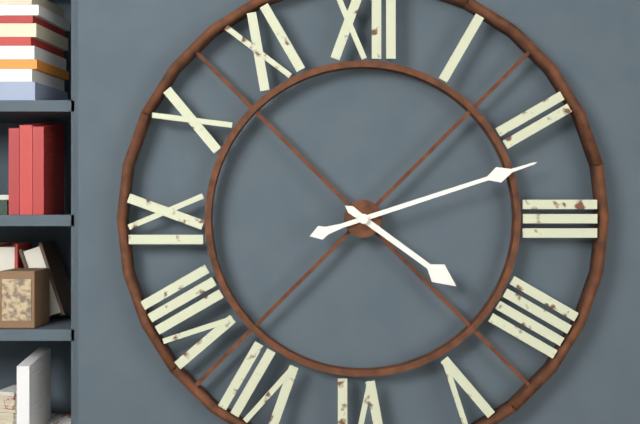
4:12
